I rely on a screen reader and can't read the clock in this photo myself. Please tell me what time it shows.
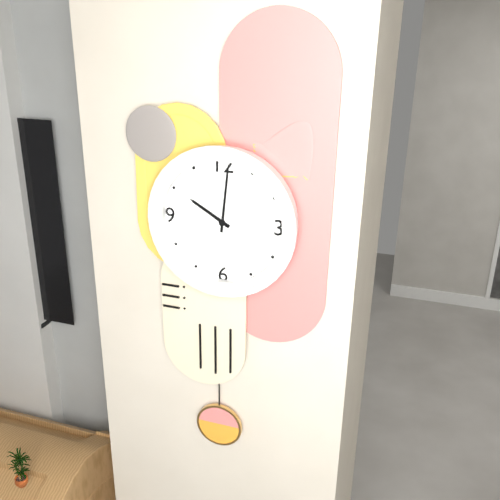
10:01
